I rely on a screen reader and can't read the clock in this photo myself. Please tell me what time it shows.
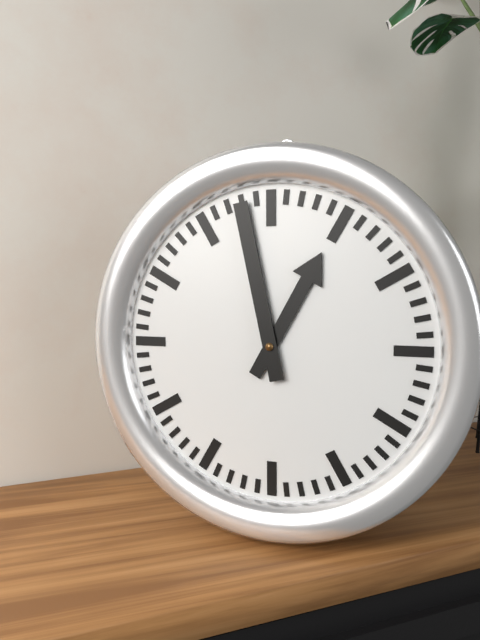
12:58
